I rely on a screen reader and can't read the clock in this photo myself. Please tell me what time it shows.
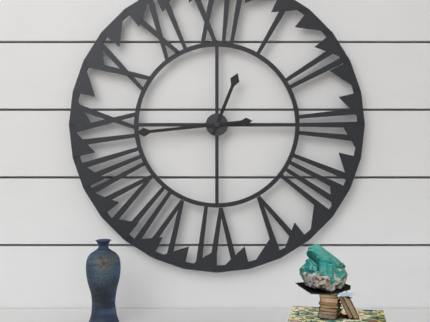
12:44
